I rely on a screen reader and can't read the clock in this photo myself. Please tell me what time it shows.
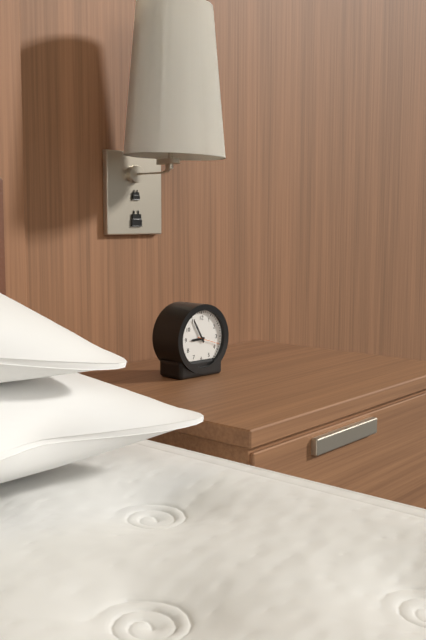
8:55
